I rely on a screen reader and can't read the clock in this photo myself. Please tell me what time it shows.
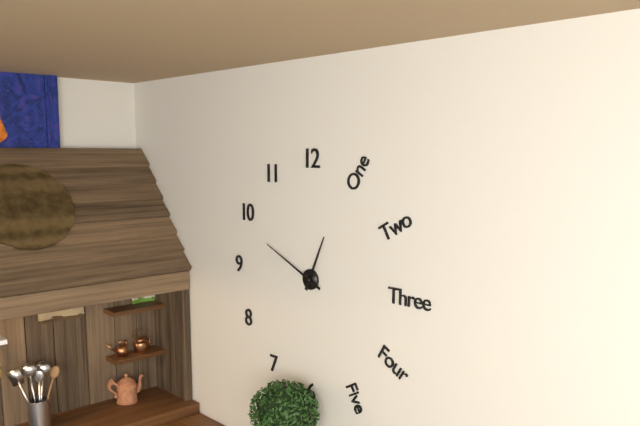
12:49
